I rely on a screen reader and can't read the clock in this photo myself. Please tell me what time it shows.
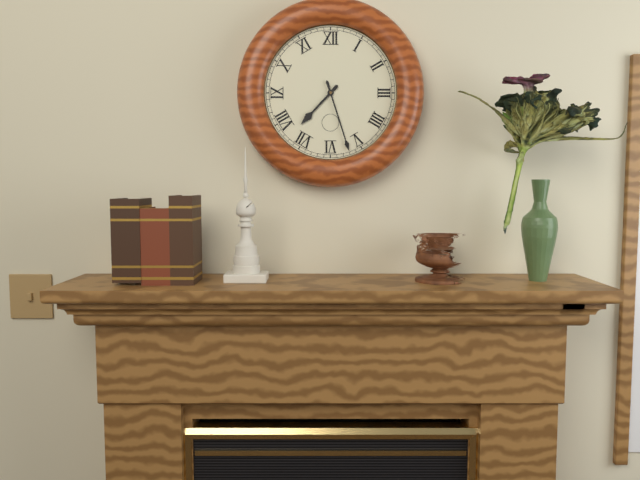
7:27
